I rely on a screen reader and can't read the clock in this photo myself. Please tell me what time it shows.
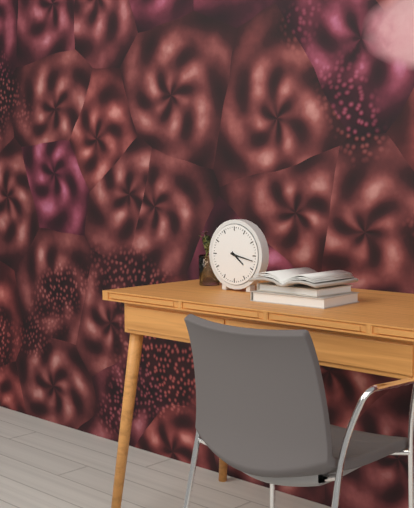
4:17
